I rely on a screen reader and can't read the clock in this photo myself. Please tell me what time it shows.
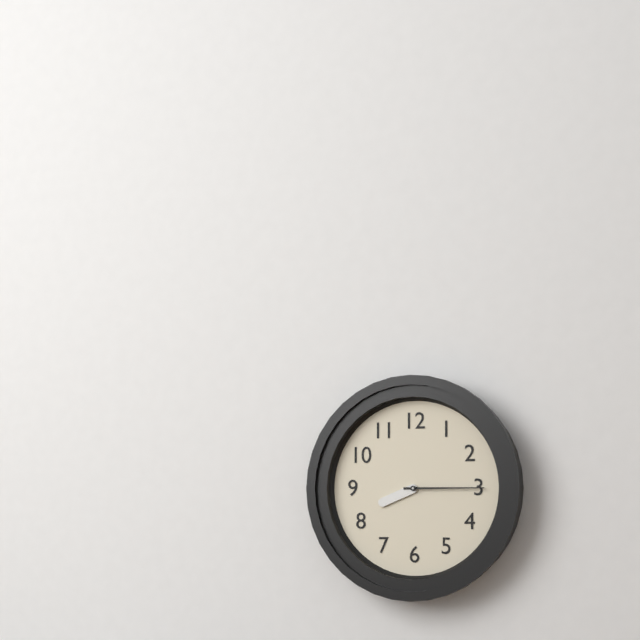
8:15
